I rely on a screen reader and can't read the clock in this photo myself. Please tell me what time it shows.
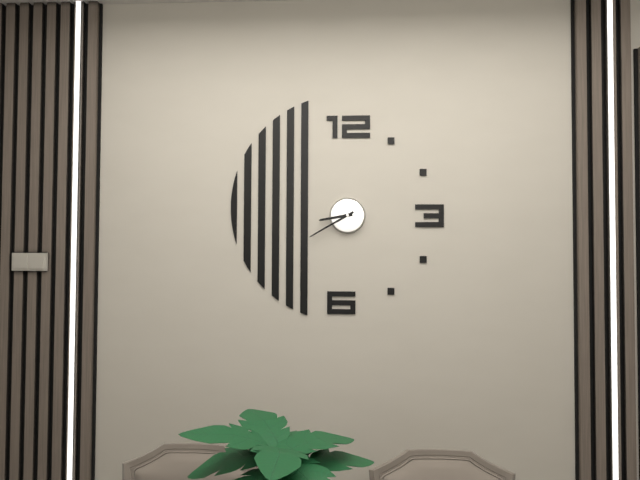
8:40
